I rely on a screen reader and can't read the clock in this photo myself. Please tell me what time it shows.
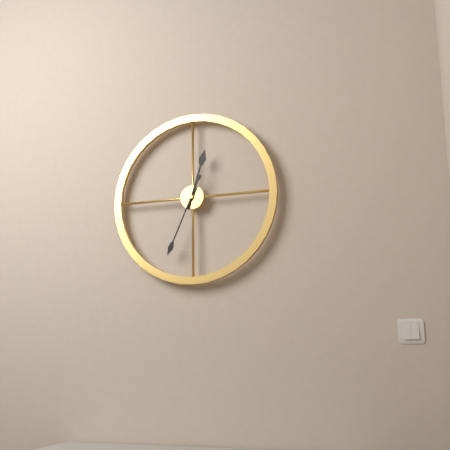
12:34
